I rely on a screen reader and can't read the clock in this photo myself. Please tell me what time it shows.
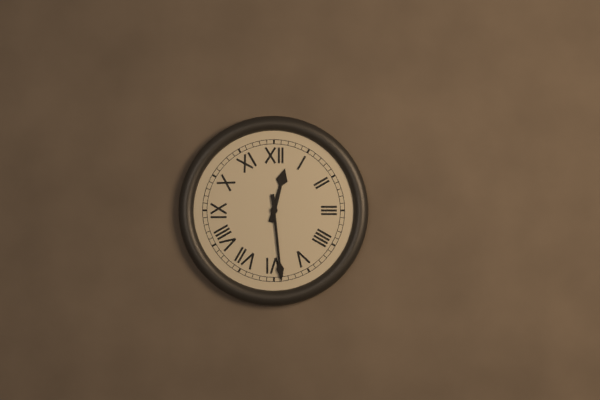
12:29
